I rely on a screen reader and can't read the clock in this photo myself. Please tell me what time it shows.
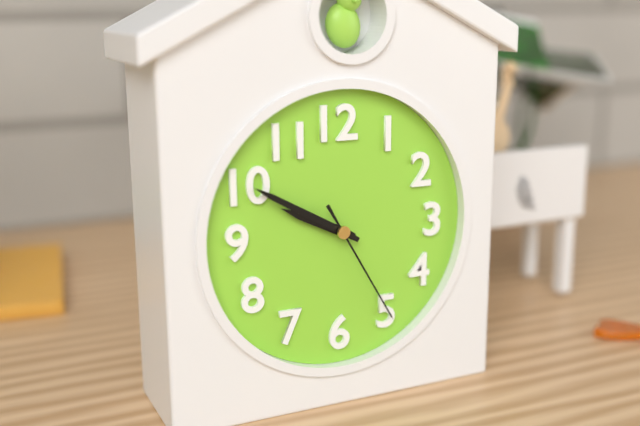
9:50:25
